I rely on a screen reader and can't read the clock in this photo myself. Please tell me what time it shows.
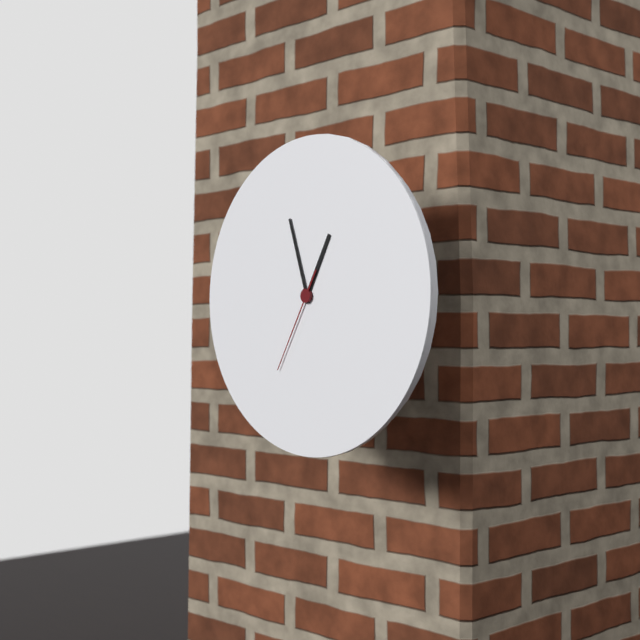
12:57:35
